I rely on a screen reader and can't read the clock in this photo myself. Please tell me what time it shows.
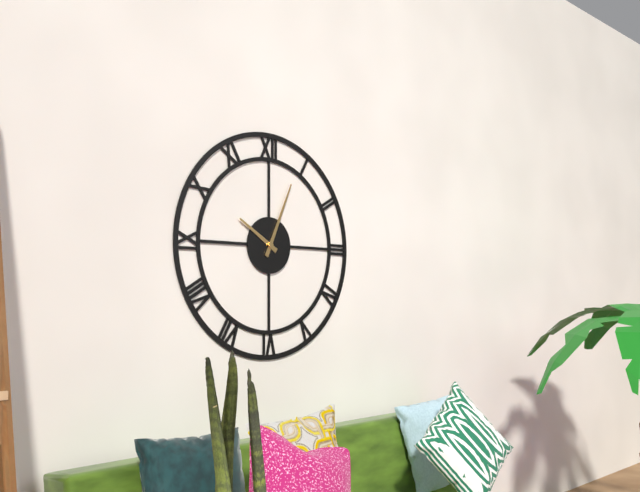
10:04
